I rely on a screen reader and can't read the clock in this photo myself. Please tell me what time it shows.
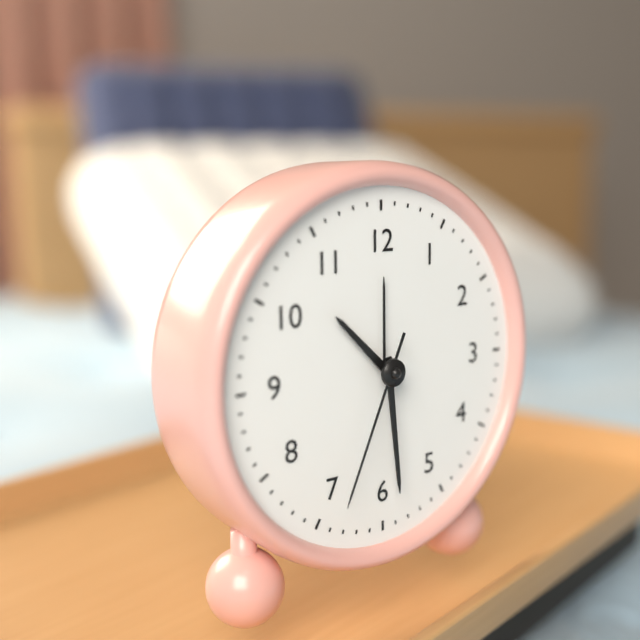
10:29:34
